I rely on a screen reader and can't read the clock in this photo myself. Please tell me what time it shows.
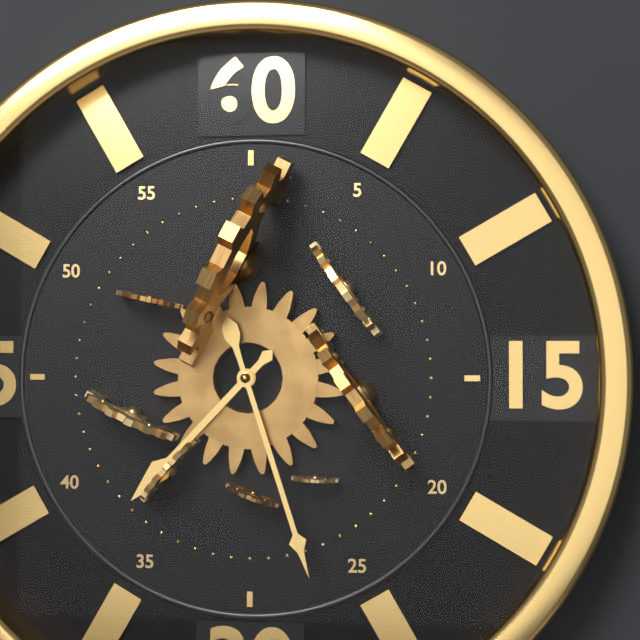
7:27
